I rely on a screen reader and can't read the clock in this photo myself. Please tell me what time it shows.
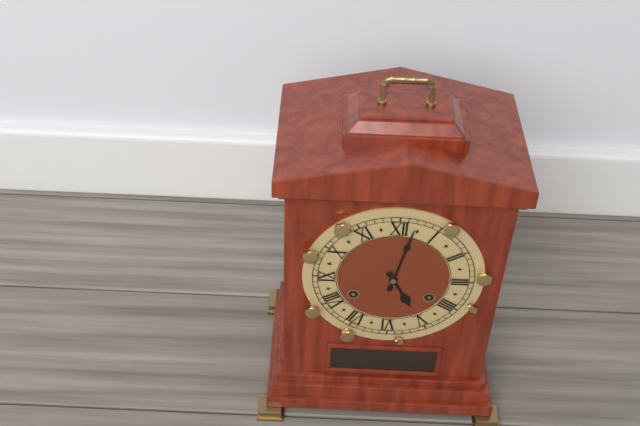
5:02
